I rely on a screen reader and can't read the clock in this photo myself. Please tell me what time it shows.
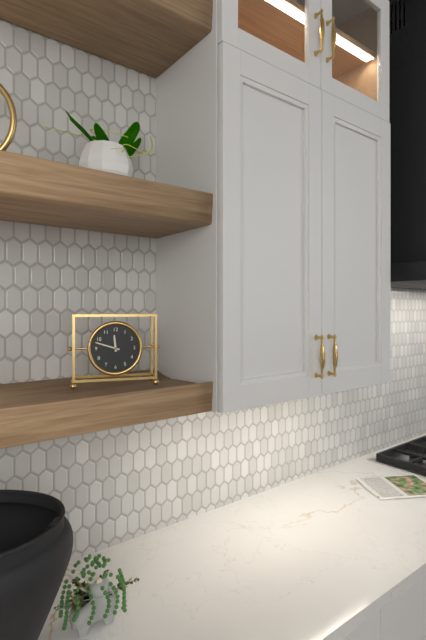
11:48
